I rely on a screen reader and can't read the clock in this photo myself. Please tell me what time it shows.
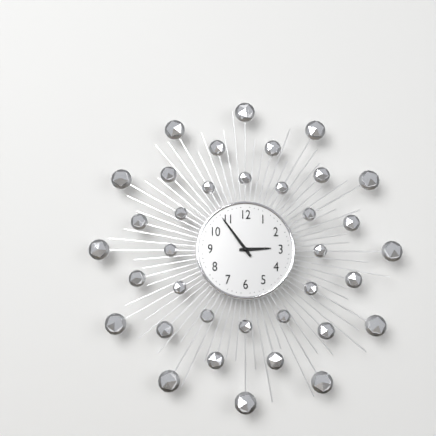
2:54
